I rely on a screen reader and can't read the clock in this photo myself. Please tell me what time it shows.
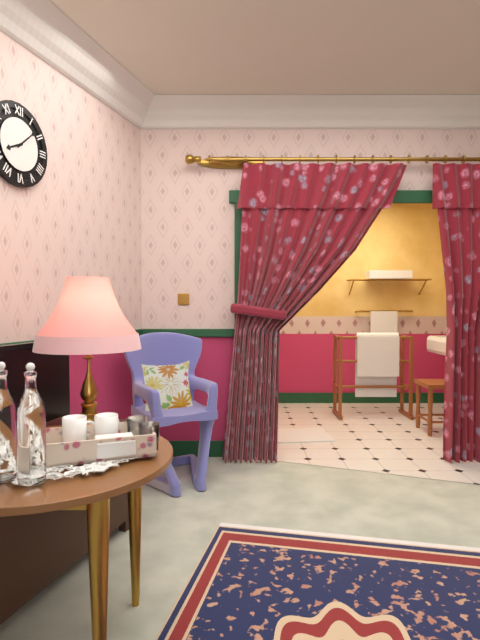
8:08
